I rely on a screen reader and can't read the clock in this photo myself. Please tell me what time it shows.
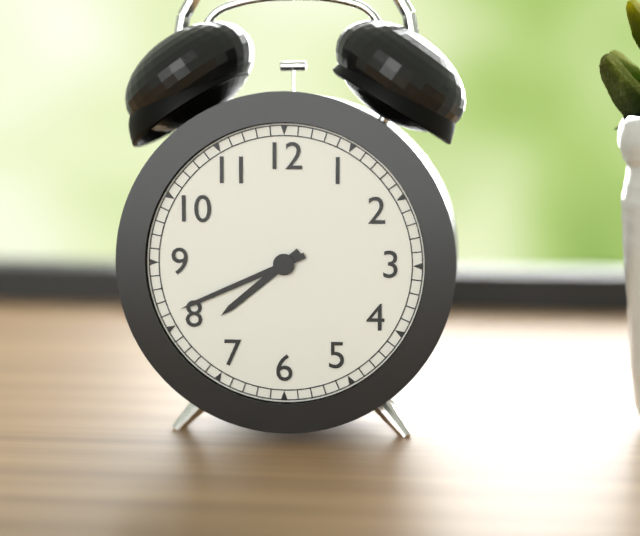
7:41
